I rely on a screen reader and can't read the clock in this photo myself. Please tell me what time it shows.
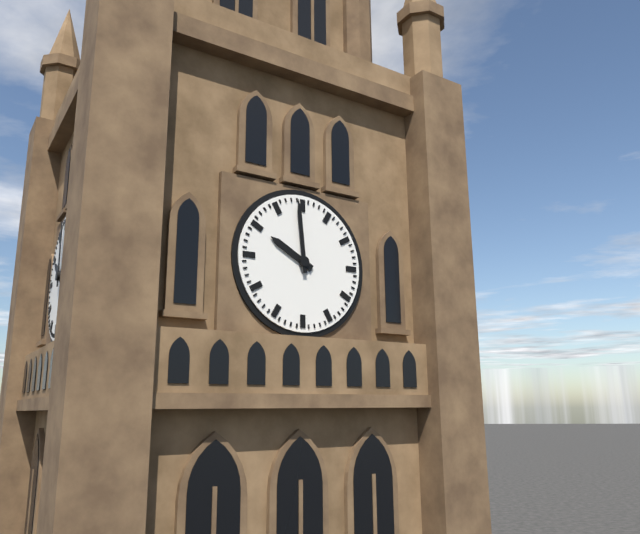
9:59
